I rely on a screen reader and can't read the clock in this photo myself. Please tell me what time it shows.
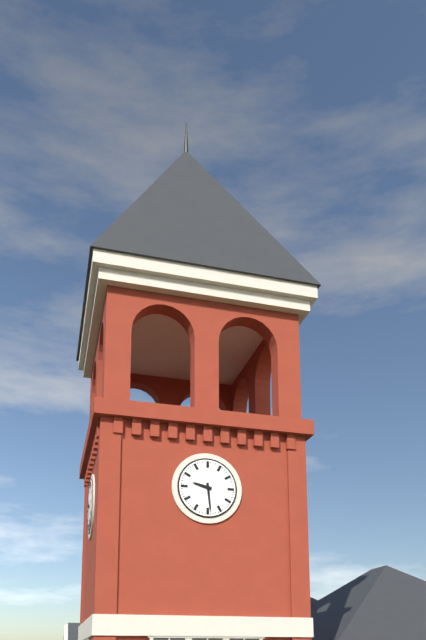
9:29
